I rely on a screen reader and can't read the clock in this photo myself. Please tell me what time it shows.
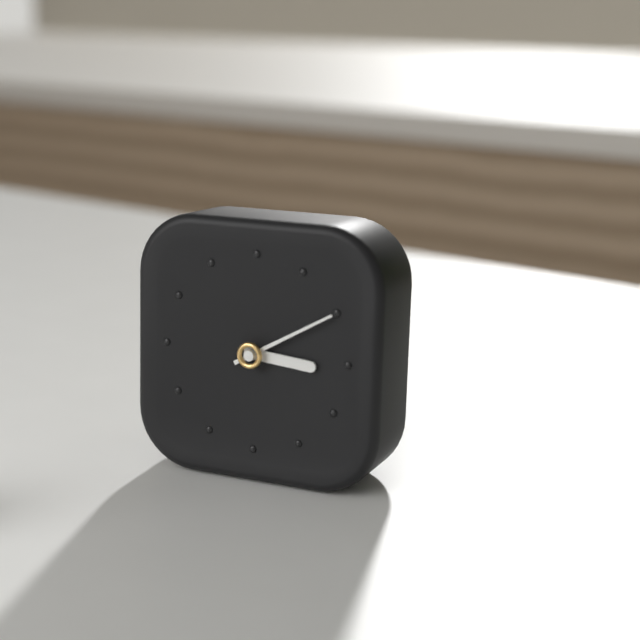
3:10
